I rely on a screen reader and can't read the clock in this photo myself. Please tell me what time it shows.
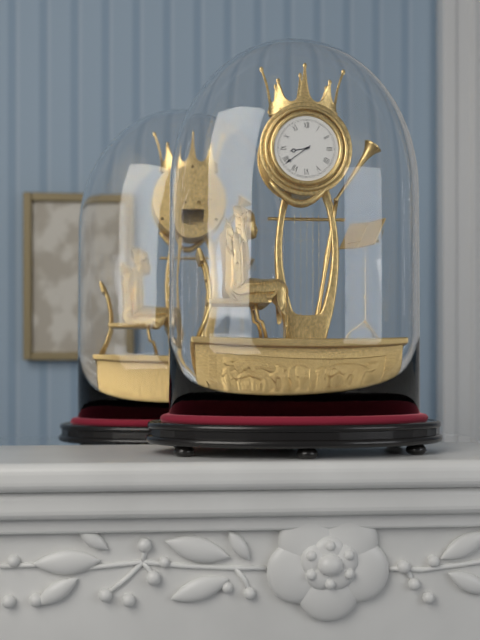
8:39
